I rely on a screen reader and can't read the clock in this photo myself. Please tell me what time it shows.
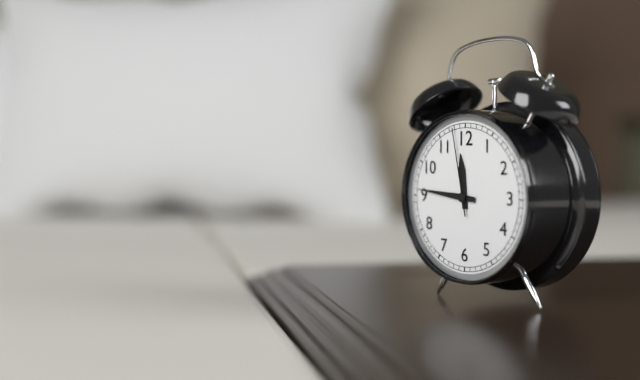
11:46:58
